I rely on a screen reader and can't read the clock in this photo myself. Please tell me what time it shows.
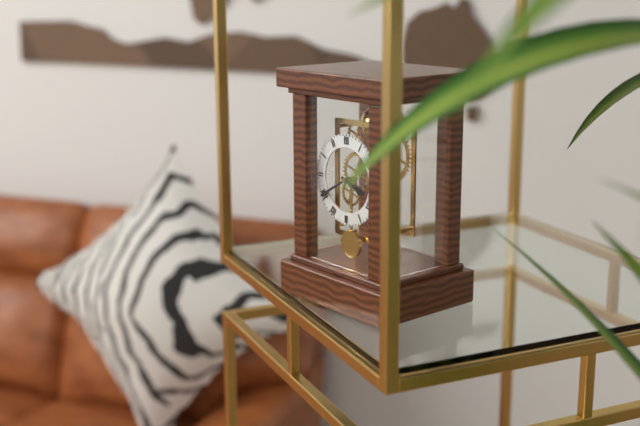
3:40
